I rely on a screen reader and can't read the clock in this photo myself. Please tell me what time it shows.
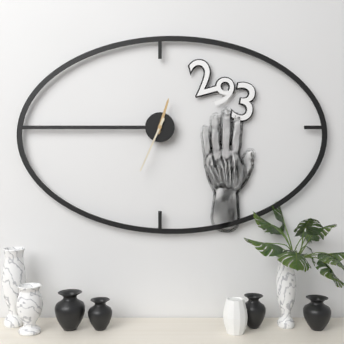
12:34
